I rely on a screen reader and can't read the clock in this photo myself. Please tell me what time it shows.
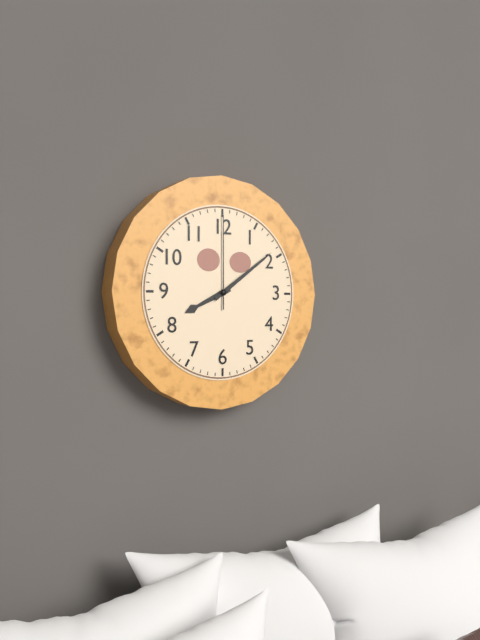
8:09:00
